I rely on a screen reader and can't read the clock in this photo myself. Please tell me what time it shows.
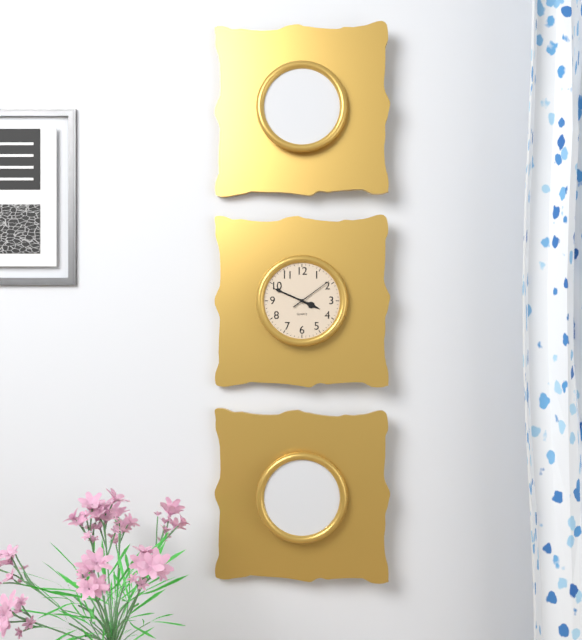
3:49
